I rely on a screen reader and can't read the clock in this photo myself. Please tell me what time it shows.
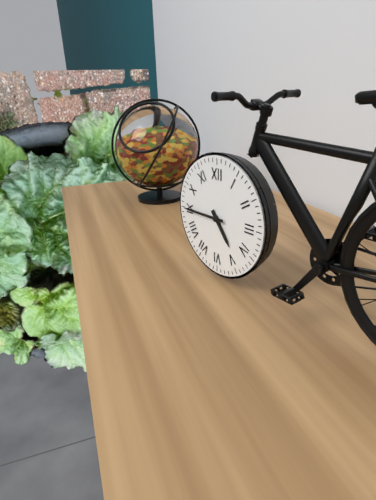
4:45
